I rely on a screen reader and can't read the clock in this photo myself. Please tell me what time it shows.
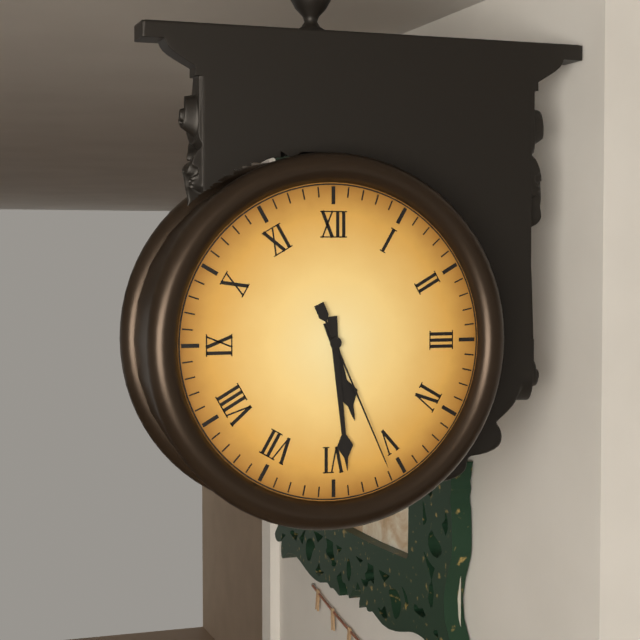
5:29:26
